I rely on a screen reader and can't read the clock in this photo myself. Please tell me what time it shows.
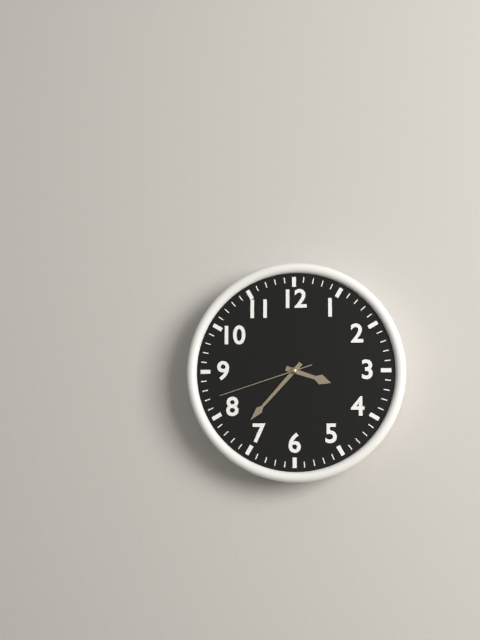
3:37:42
